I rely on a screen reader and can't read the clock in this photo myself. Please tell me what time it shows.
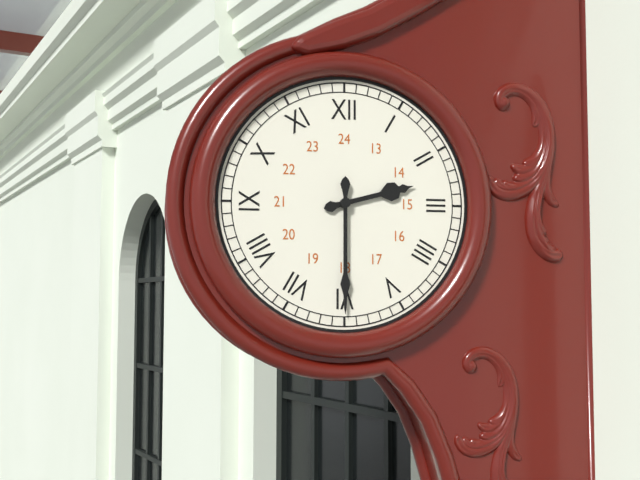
2:30
